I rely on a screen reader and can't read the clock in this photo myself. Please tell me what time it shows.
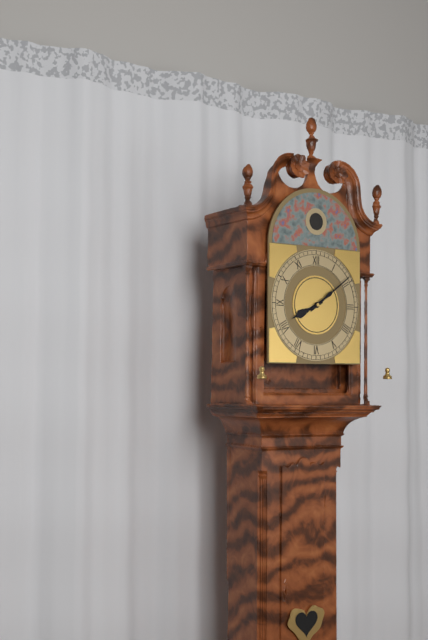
8:09
